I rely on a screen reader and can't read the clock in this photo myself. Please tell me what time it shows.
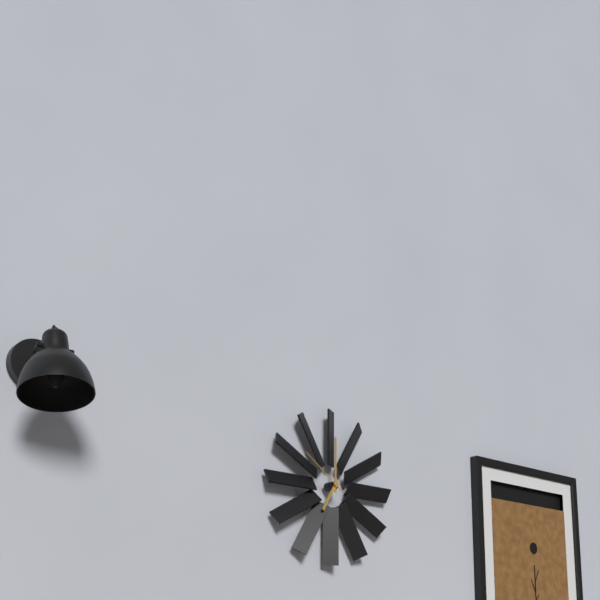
7:00:51
